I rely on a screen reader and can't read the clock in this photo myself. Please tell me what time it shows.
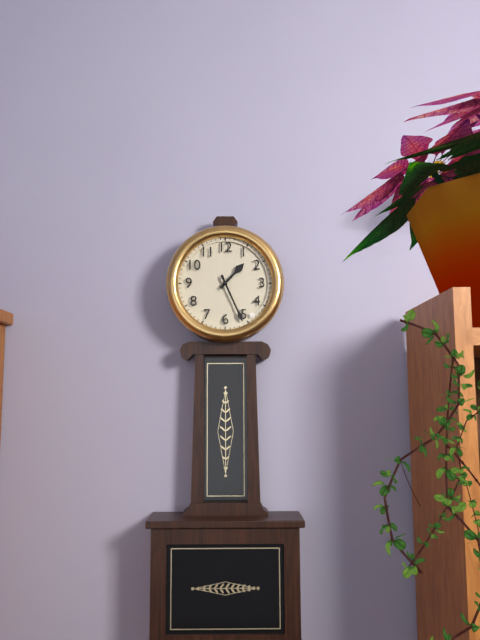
1:26
